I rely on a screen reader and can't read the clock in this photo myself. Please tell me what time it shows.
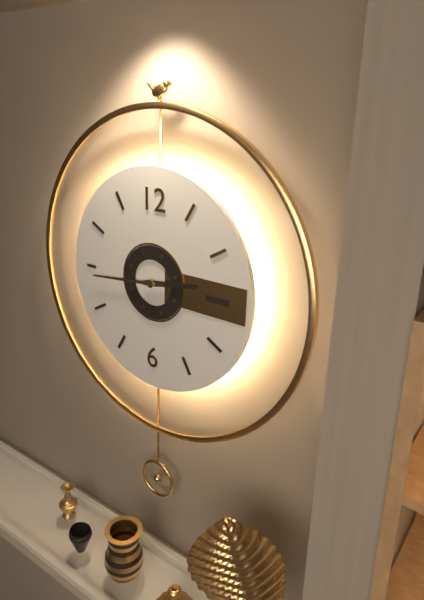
2:44
